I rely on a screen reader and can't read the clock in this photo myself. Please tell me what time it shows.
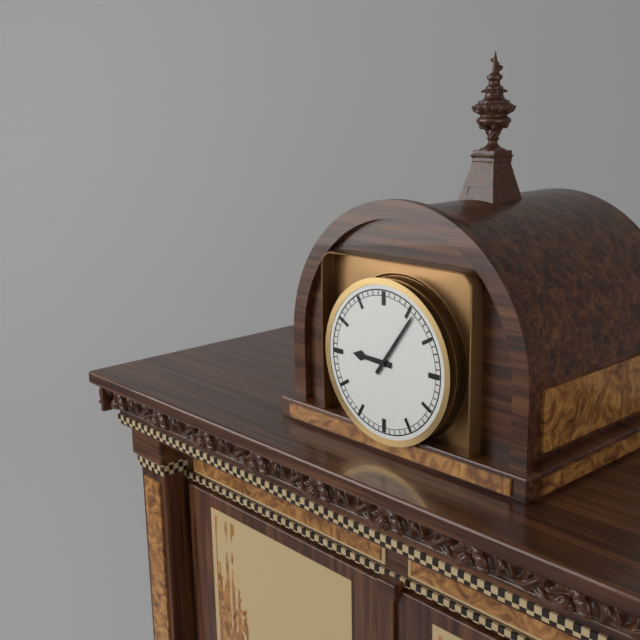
9:06
